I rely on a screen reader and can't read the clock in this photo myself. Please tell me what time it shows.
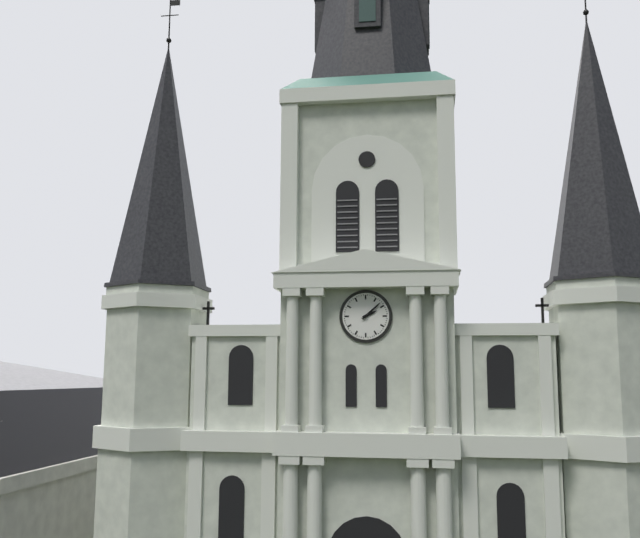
2:08
